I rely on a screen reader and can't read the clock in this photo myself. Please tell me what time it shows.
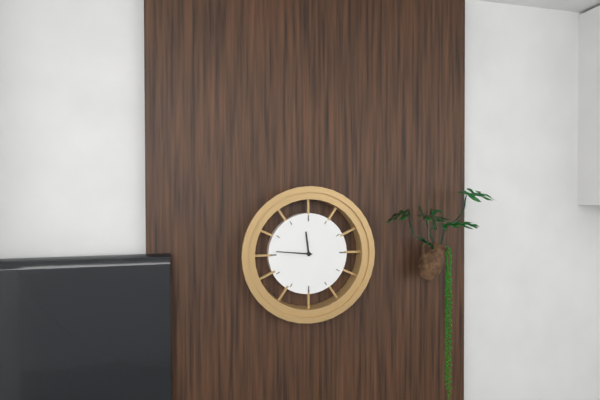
11:46
